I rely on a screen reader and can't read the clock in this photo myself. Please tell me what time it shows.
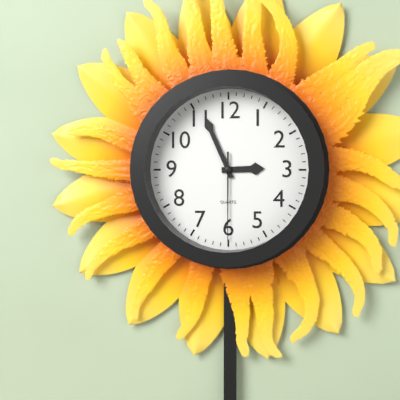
2:56:30
